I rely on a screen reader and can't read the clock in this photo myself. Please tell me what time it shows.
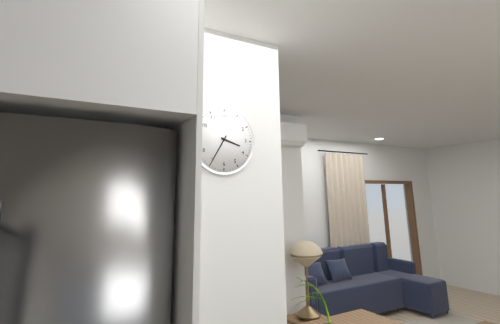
3:35
